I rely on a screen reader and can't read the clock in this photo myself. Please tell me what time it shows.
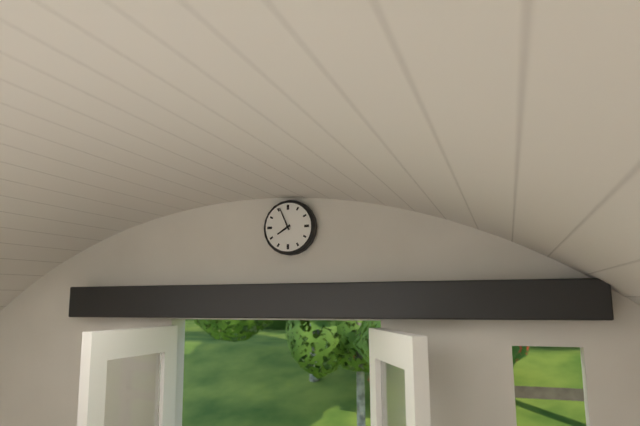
7:56
